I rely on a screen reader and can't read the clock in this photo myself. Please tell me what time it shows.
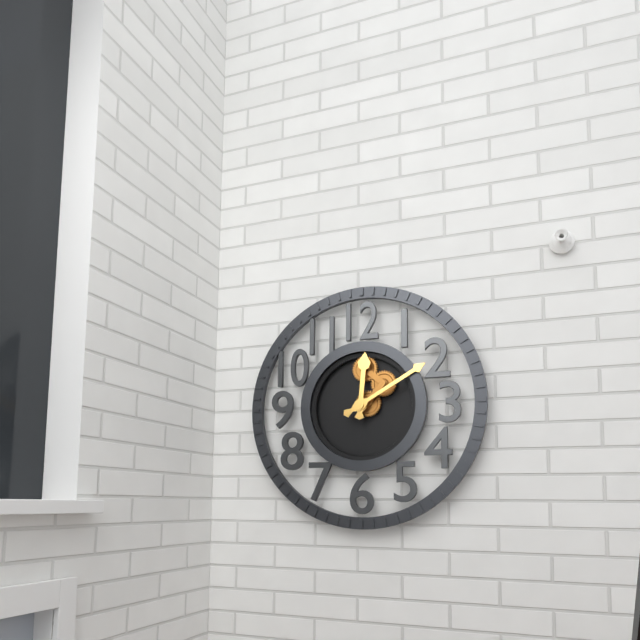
12:10
